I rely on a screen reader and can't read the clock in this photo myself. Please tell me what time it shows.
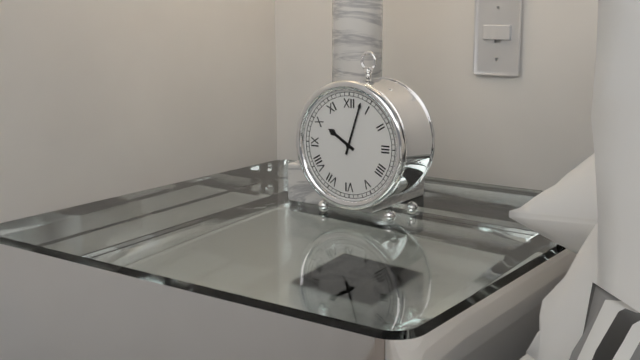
10:03
